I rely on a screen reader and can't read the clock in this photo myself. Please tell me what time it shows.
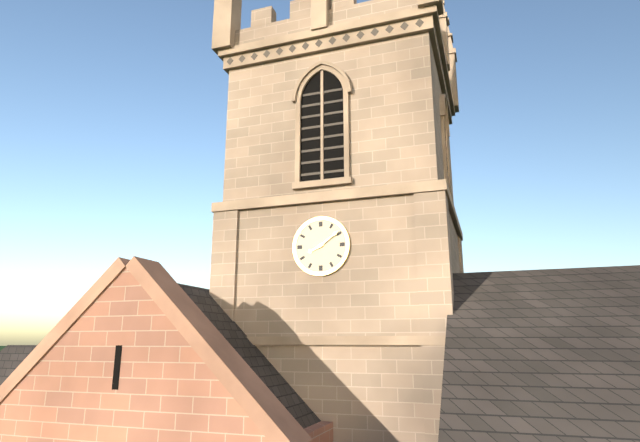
8:09
